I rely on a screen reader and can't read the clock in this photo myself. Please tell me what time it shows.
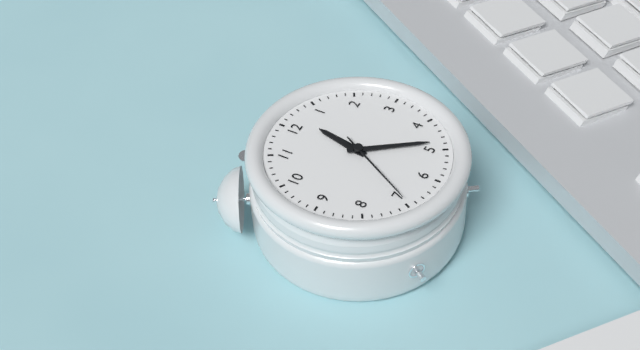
12:24:35
